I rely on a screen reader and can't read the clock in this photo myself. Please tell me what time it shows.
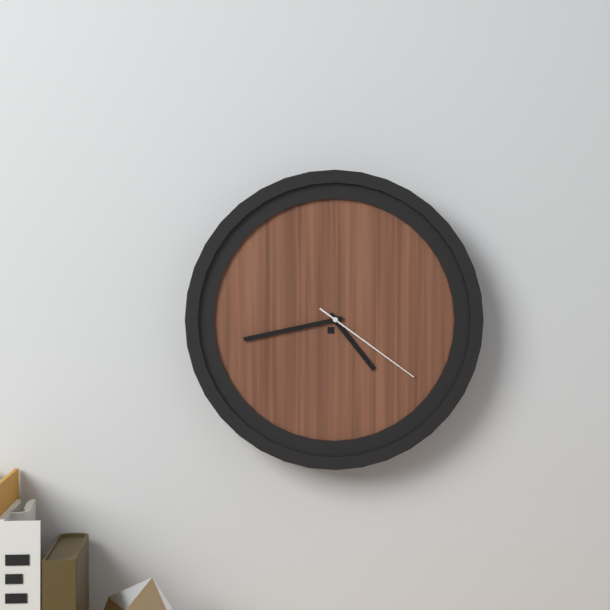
4:43:21
